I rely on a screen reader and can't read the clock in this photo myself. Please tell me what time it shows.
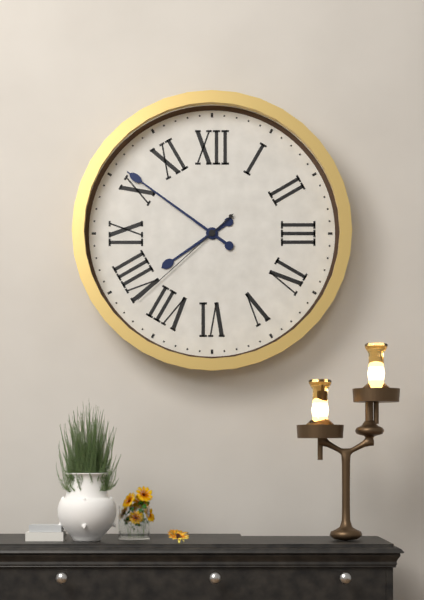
7:51:38
